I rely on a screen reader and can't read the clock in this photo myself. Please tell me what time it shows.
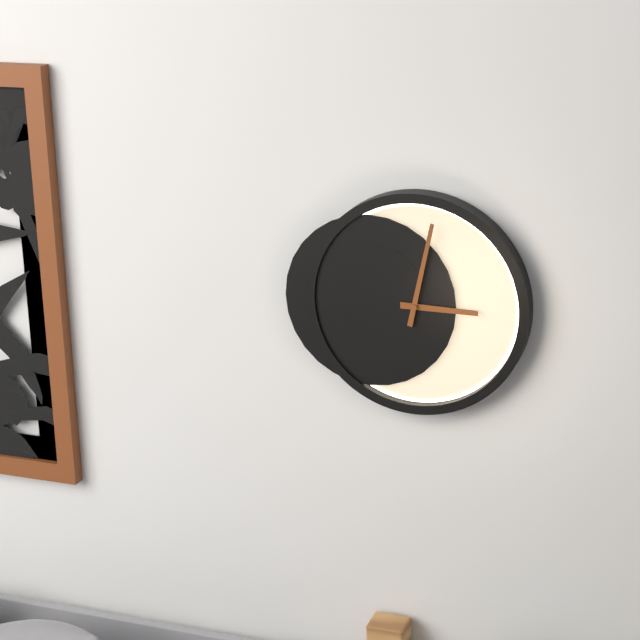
3:02
